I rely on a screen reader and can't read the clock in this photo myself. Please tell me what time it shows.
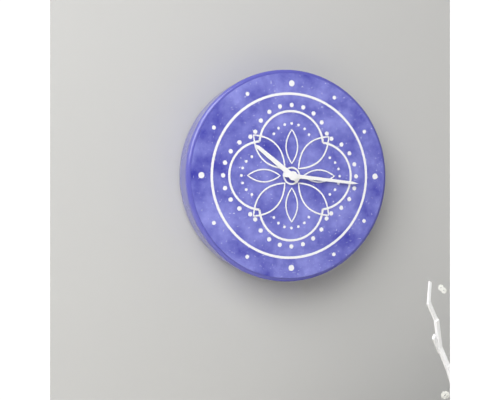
10:16
